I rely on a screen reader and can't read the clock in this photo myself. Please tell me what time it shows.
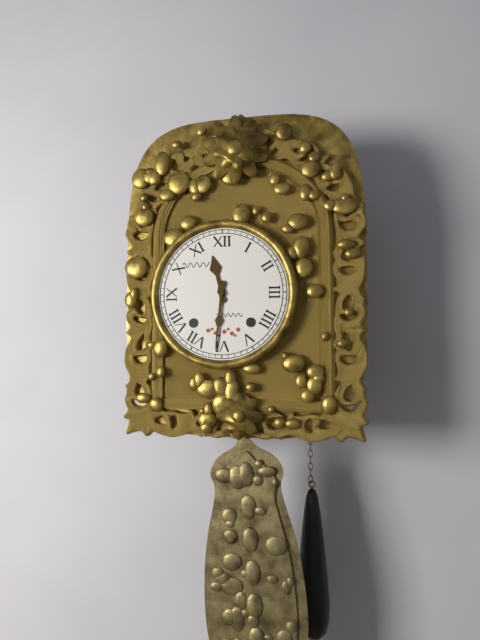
11:31
